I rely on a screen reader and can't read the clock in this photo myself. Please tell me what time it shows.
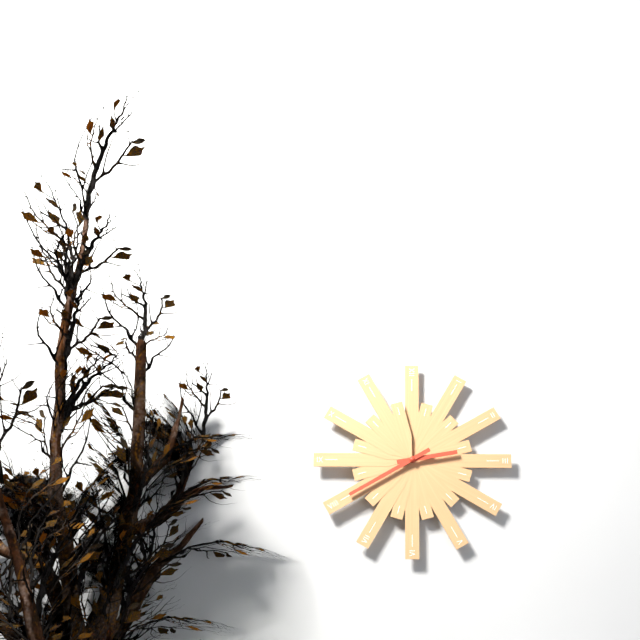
2:40
